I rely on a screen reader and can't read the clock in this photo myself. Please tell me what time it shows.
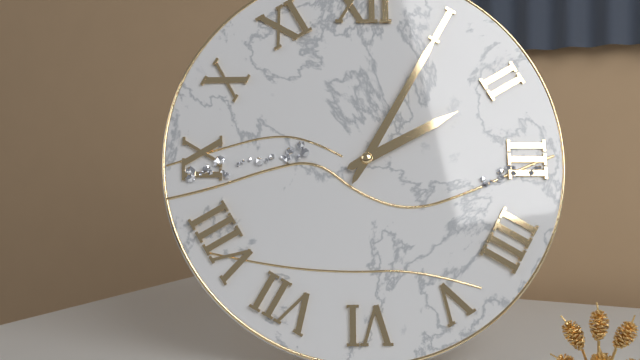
2:05
